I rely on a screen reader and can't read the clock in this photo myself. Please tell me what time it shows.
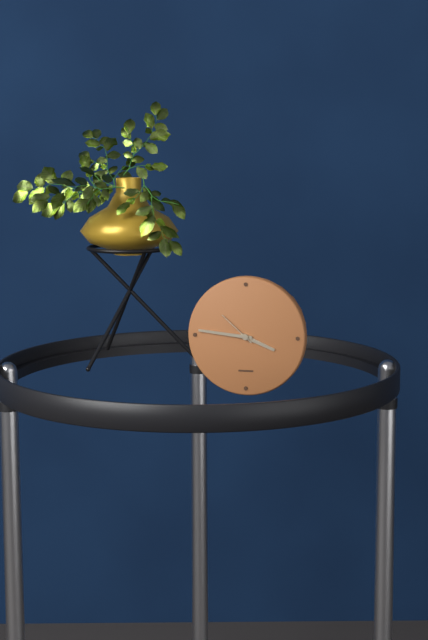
3:46
